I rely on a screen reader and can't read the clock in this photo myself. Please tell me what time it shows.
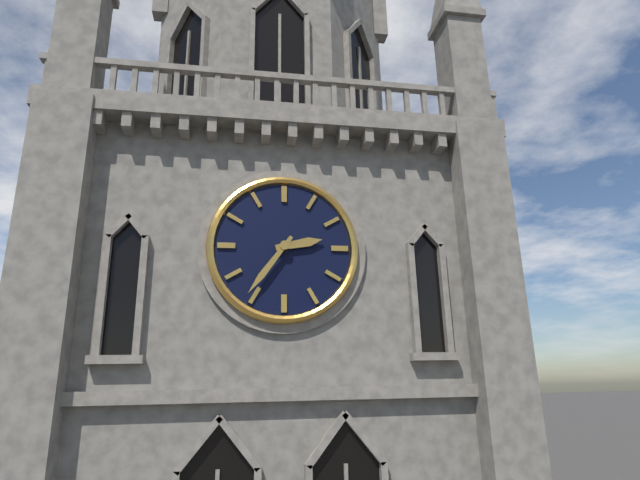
2:36
